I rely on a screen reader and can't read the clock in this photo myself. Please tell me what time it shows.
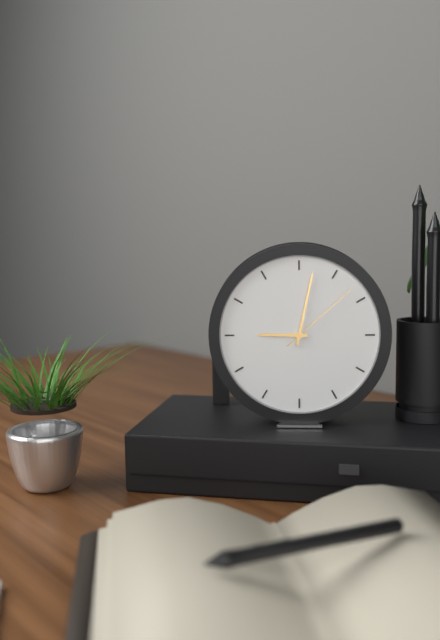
9:02:08
